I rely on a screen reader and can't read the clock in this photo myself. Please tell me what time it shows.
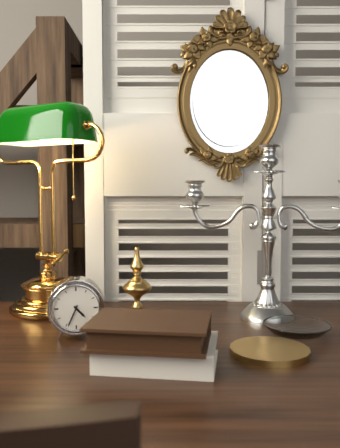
4:34
